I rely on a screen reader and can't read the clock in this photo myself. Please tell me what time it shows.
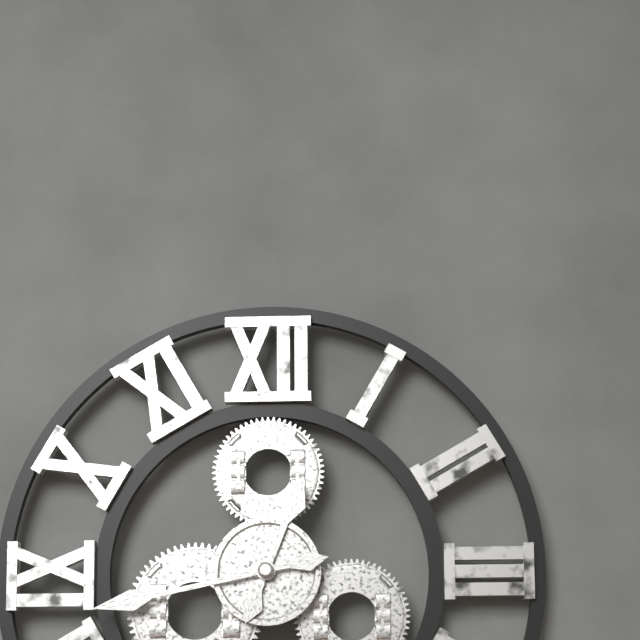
12:43
